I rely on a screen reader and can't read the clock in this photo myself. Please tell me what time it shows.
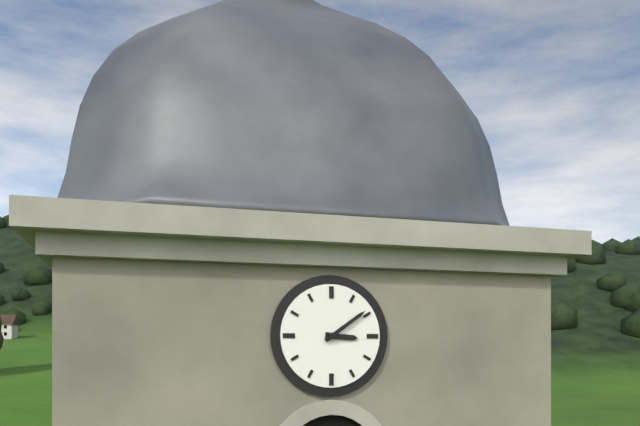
3:09
